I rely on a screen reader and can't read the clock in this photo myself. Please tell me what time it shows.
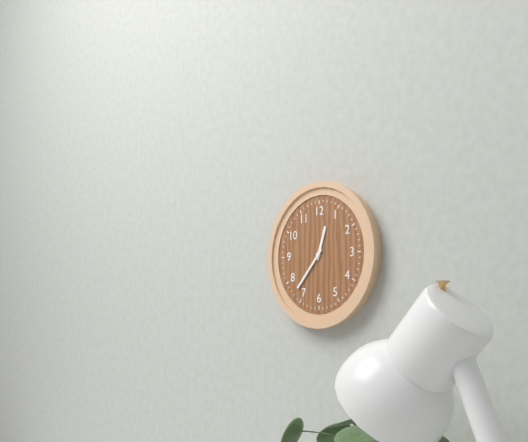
12:37
